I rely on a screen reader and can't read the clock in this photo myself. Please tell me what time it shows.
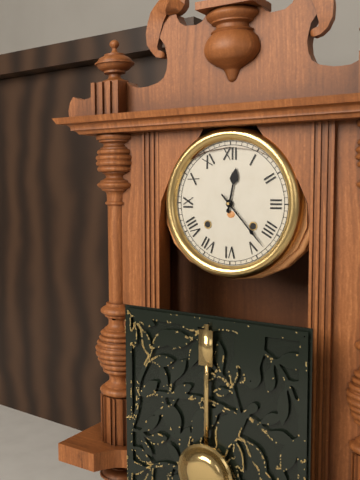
12:23
